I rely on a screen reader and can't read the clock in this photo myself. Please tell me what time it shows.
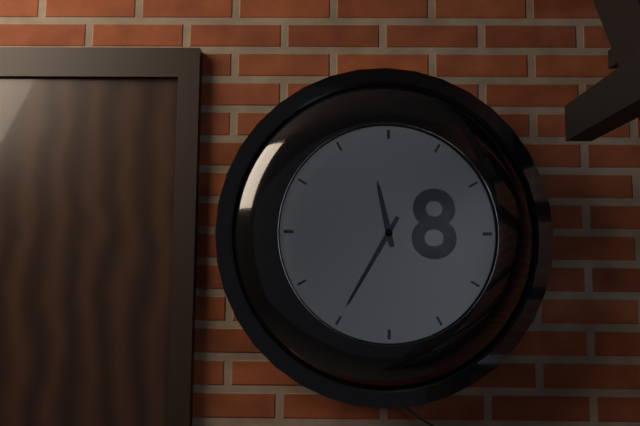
11:35
